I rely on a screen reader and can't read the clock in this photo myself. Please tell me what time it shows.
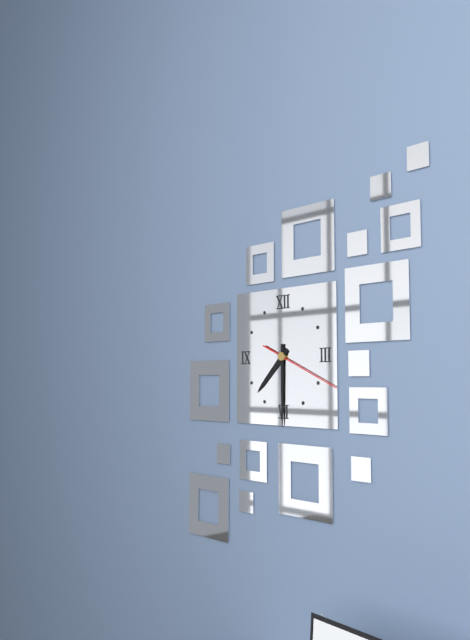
7:30:19
